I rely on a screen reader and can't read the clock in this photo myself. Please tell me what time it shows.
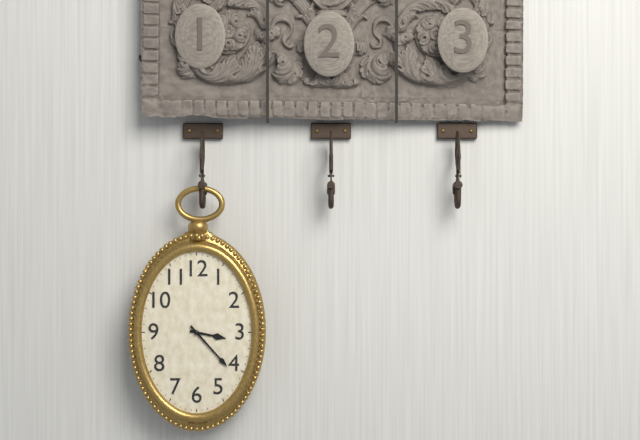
3:23
